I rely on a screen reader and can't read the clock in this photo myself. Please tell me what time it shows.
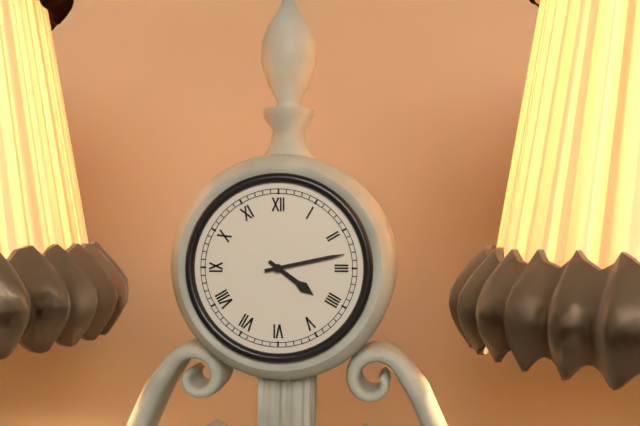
4:13
